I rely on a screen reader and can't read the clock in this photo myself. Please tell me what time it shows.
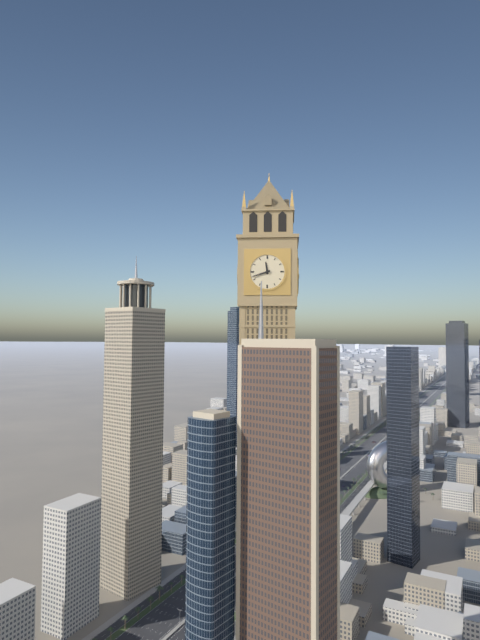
11:42
